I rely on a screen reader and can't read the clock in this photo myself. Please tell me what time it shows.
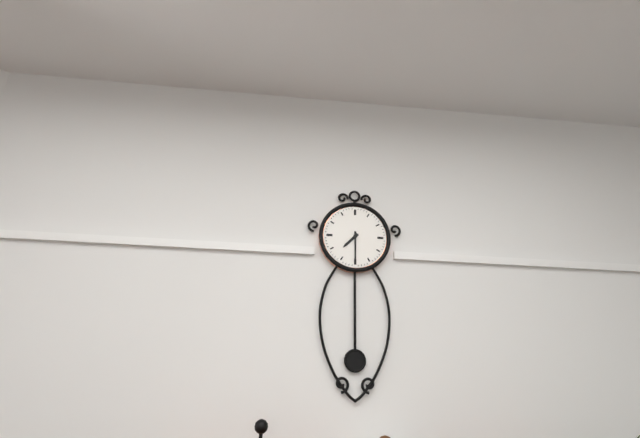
7:30
